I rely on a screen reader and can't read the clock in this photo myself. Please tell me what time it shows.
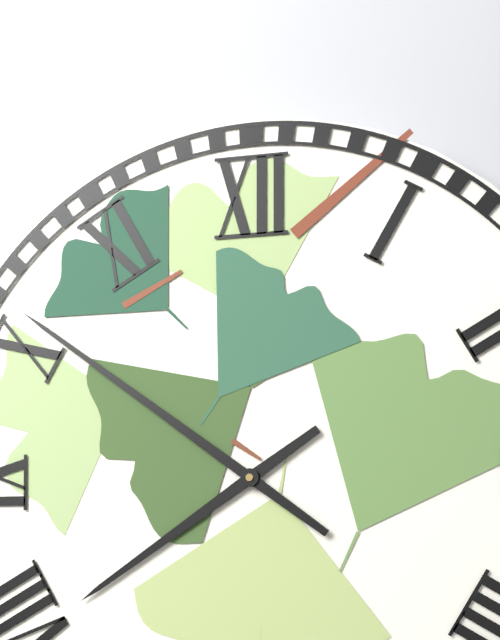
7:51
